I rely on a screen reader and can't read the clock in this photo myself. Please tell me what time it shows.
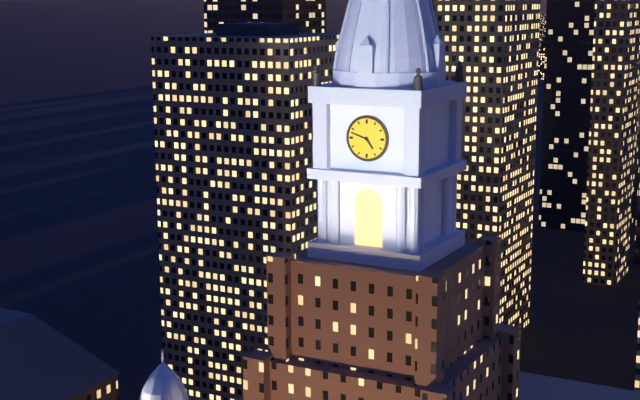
4:48
